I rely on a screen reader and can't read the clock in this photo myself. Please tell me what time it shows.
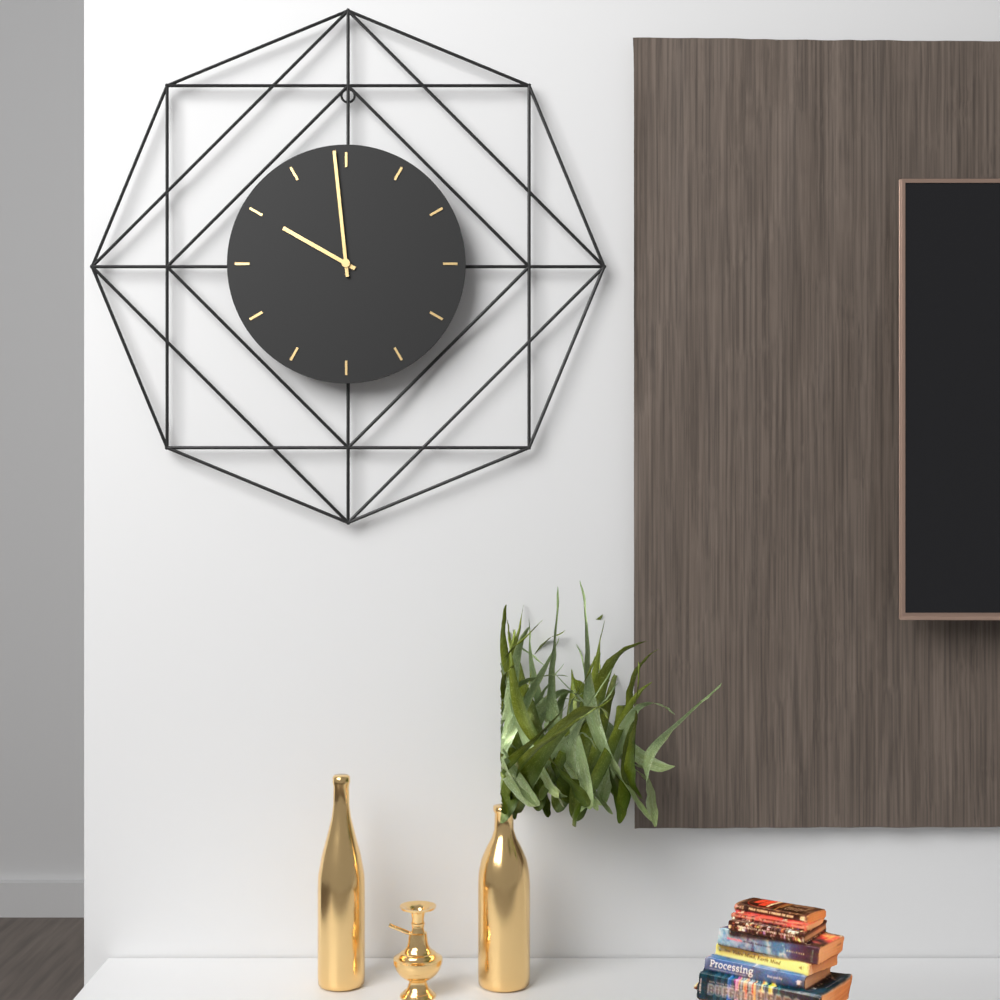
9:59
